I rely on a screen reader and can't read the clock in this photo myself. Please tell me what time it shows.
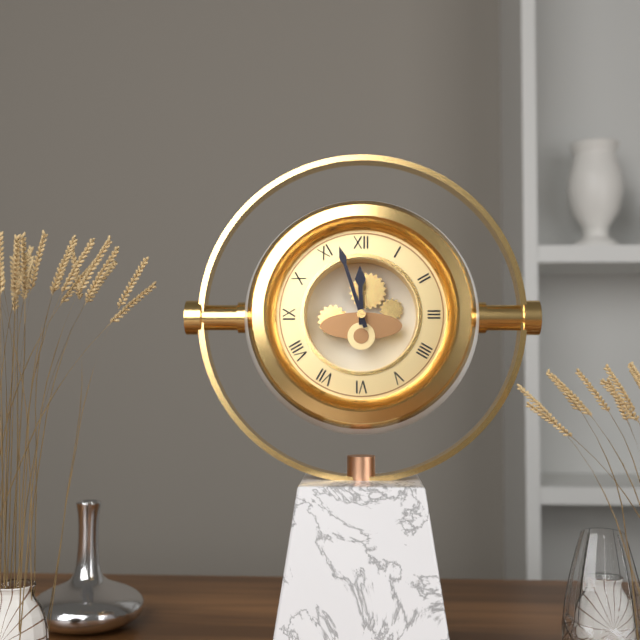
11:57
